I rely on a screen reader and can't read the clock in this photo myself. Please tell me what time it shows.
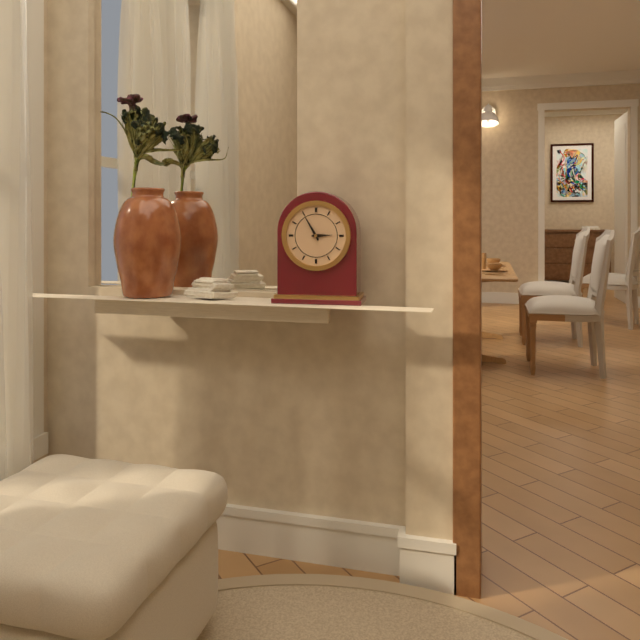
2:55
